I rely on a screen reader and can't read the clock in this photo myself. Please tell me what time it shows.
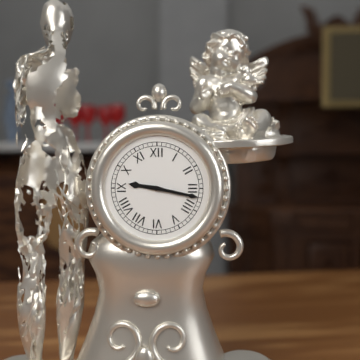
9:17
